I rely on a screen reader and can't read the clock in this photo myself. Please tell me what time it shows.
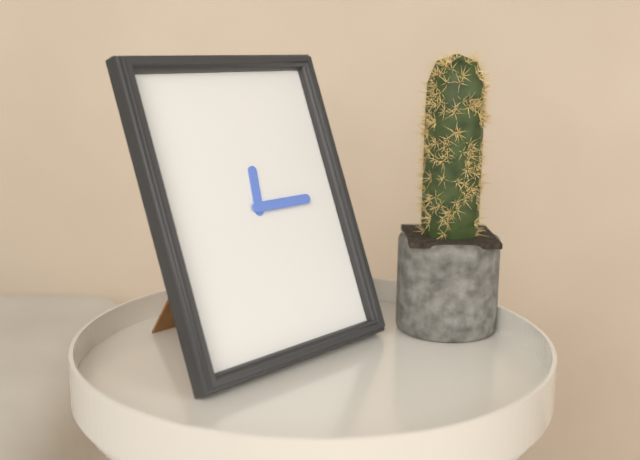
12:15
